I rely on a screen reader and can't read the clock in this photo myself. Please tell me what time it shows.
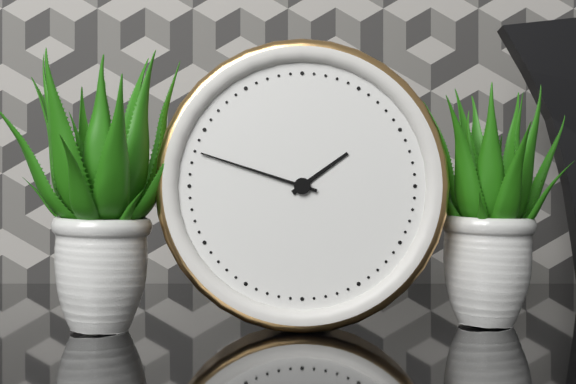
1:48
